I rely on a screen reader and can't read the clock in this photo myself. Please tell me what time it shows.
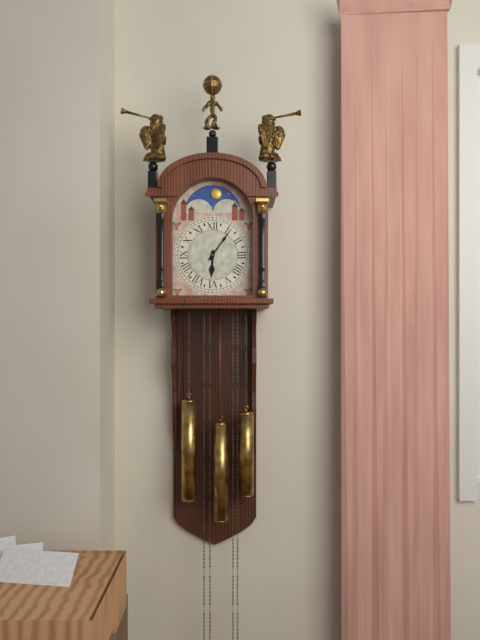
6:06
